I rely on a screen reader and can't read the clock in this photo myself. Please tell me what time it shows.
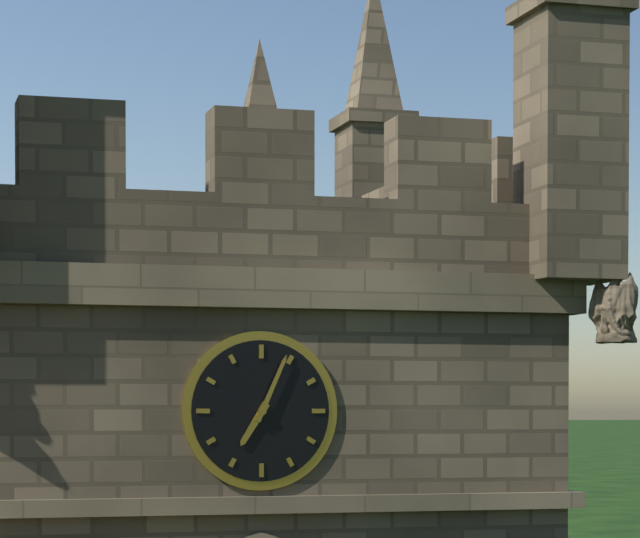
7:04
